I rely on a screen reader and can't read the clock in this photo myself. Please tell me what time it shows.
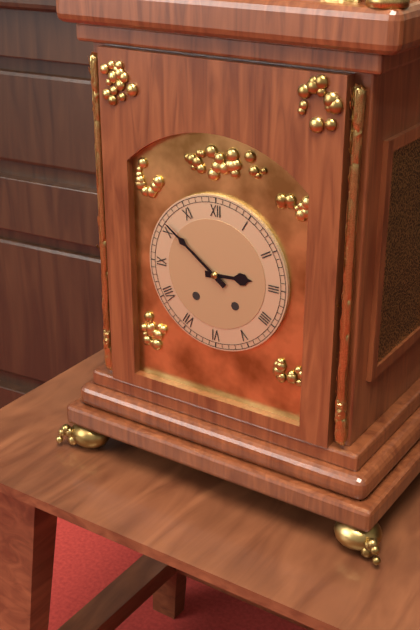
2:51
